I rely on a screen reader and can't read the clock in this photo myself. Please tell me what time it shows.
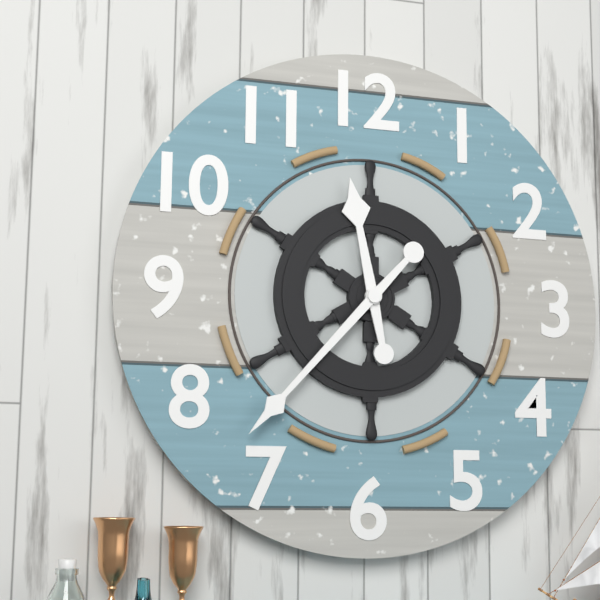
11:37
